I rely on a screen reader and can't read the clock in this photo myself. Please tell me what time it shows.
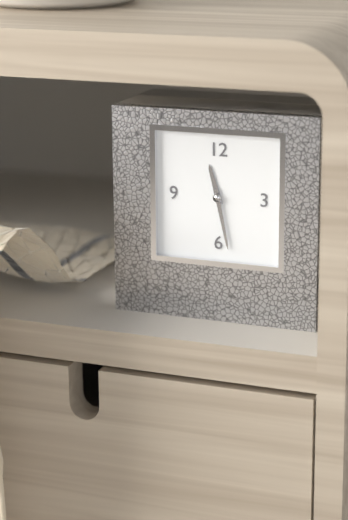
11:28
